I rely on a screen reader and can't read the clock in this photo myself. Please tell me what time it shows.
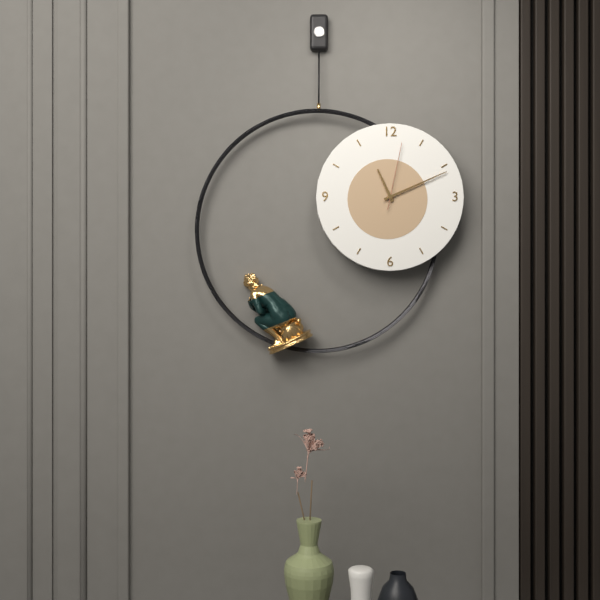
11:11:02
